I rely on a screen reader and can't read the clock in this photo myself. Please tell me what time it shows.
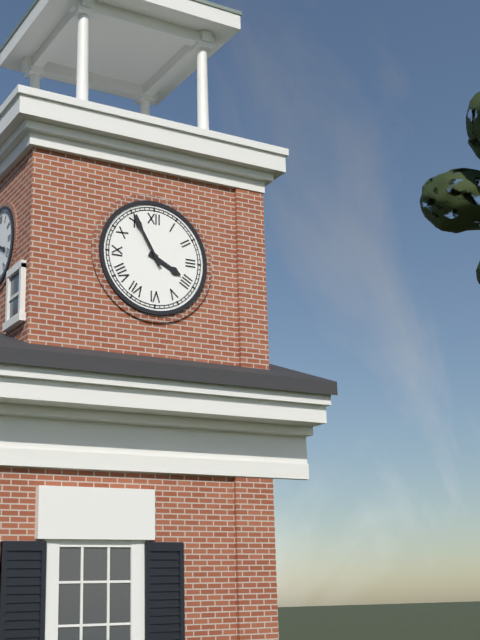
3:55
